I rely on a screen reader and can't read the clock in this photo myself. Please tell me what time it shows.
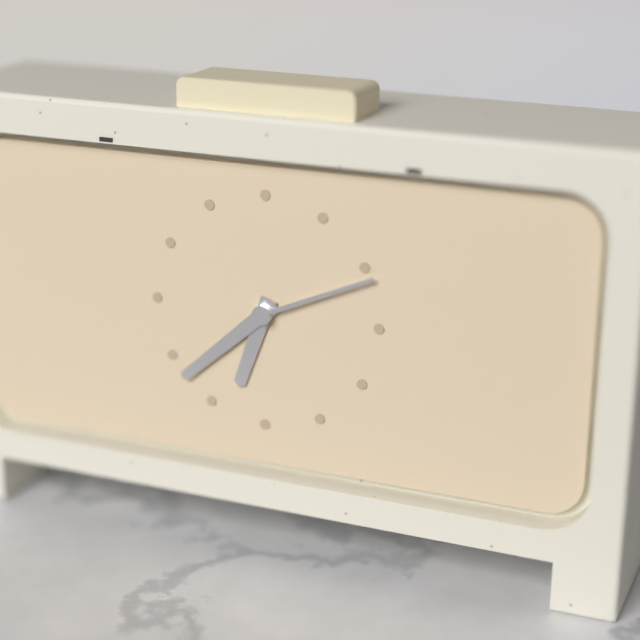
6:38:11
